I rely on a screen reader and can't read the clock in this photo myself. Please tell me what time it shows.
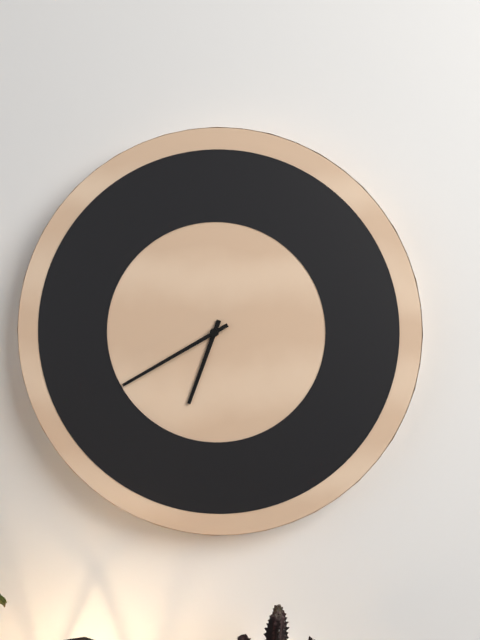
6:40
